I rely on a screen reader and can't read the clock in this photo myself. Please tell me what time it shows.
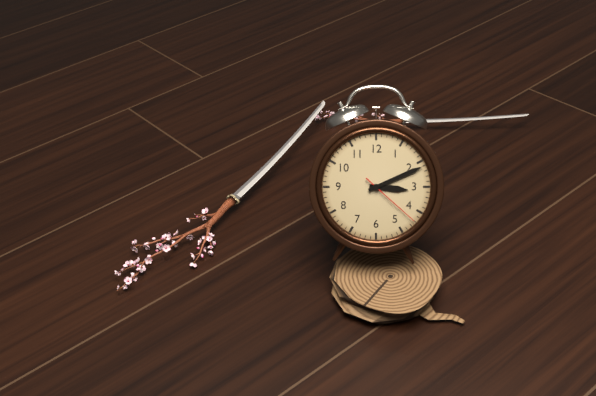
3:11:22
